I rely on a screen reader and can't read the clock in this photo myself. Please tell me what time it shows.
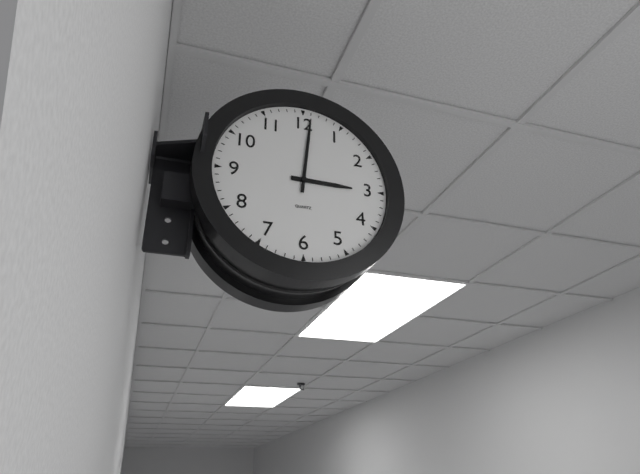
3:01
